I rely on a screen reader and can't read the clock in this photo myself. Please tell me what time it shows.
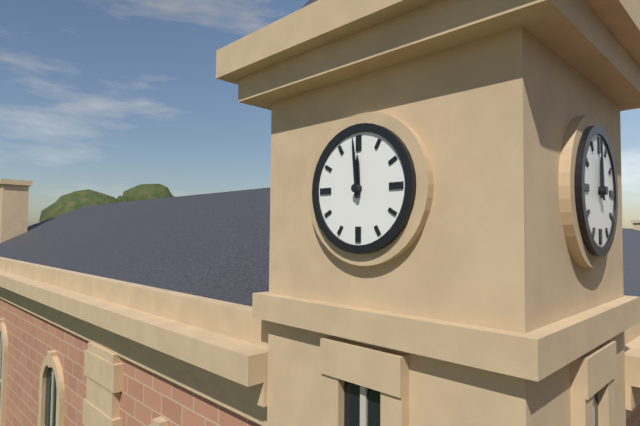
11:59
